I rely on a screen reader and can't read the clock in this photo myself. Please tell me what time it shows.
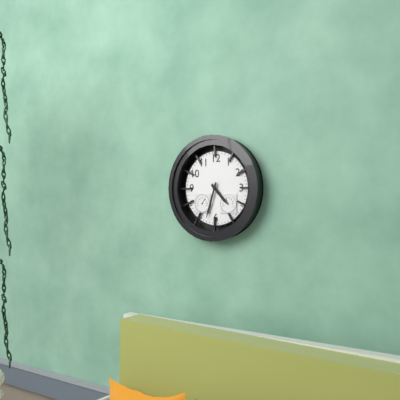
4:33
